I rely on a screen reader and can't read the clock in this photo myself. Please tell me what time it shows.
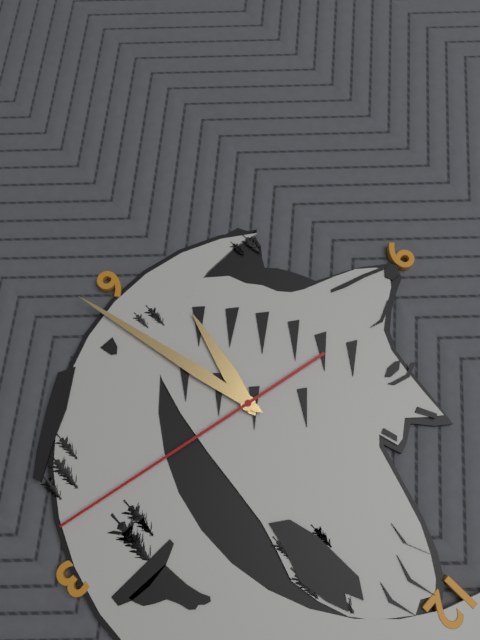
6:28:17
